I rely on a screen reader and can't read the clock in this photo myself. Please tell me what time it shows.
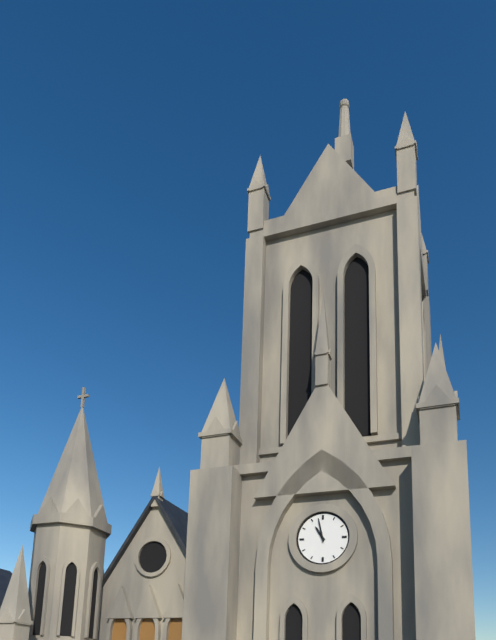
10:58
